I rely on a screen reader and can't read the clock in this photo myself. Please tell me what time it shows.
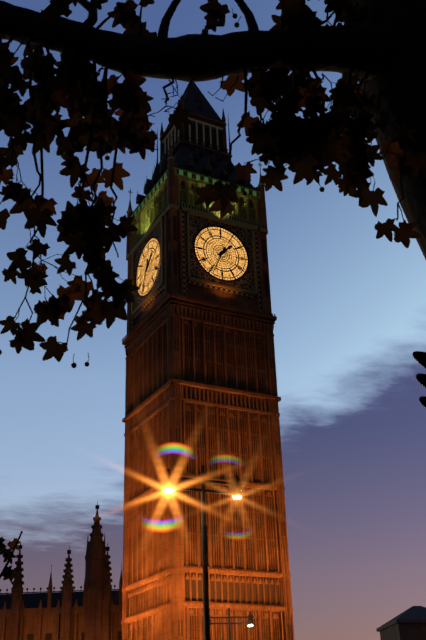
1:34
